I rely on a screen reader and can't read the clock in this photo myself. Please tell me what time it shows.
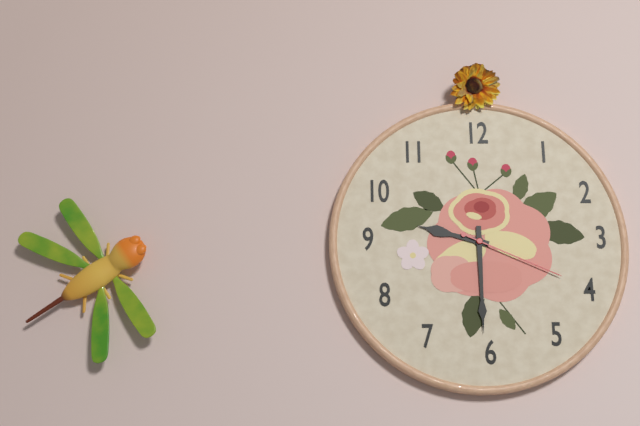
9:30:19
